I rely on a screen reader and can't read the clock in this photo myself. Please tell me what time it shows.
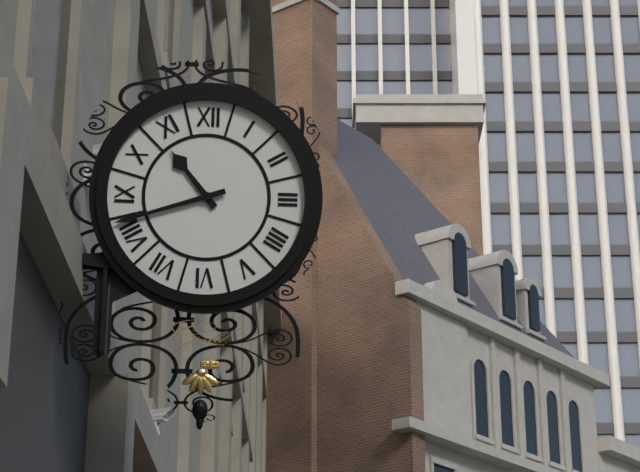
10:42
